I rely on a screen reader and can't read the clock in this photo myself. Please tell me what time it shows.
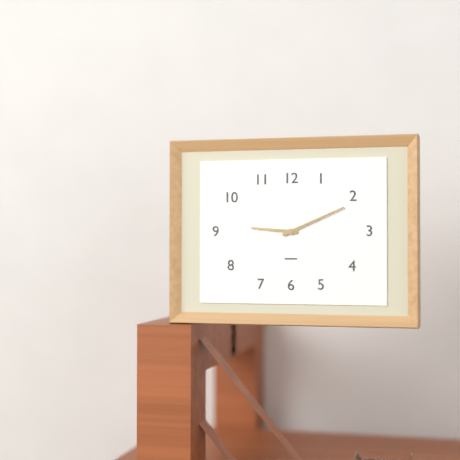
9:11
